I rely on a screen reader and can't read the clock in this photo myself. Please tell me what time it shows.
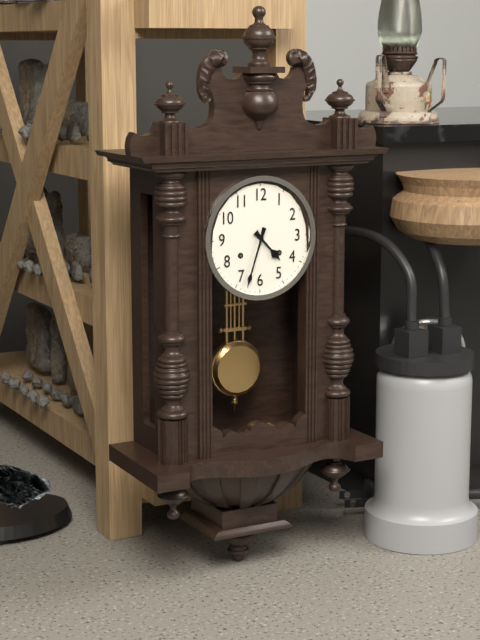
4:33
